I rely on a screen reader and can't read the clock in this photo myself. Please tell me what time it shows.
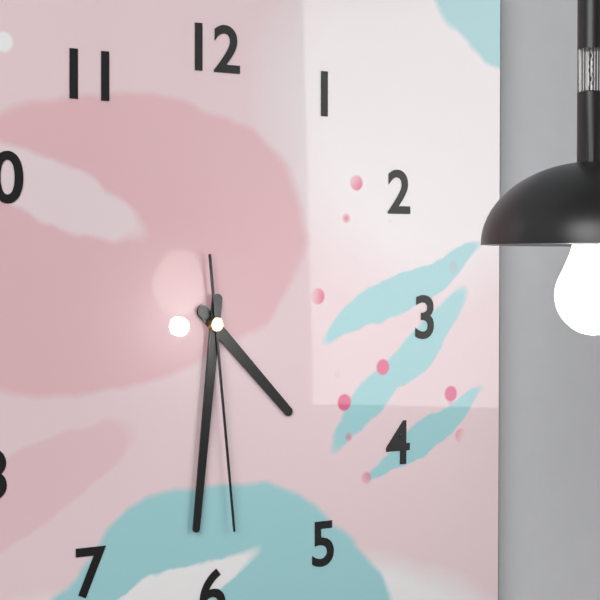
4:31:29
